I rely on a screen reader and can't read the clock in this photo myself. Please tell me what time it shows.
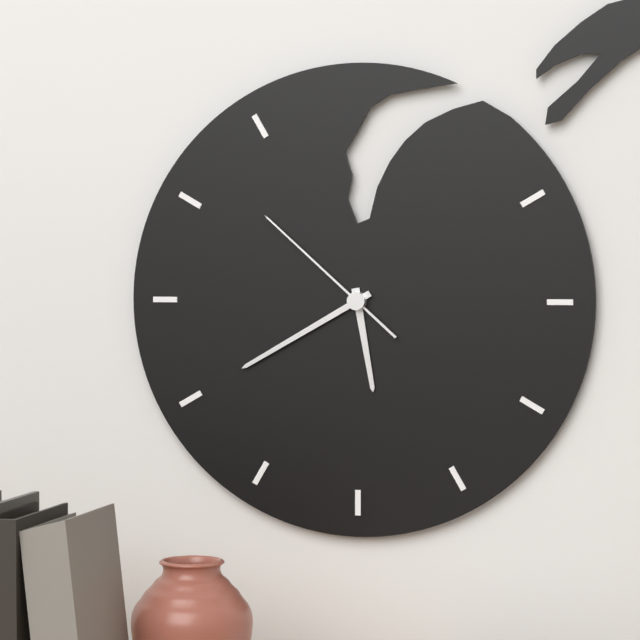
5:40:52
